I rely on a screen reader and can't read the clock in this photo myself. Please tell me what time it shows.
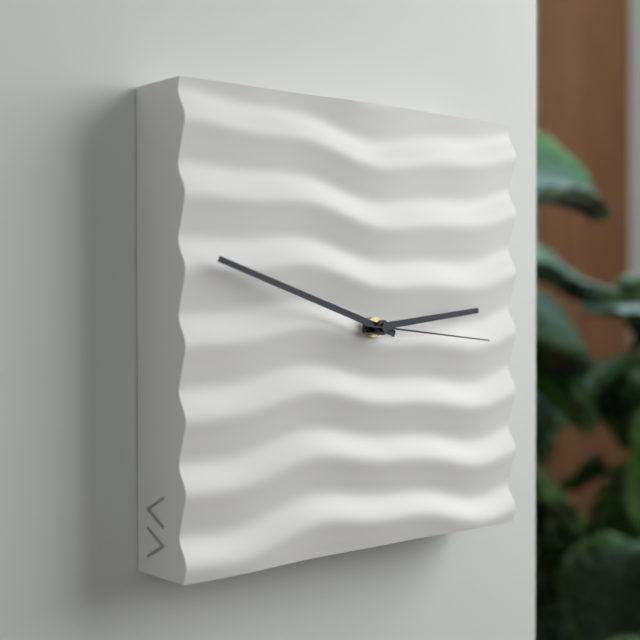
2:48:16
